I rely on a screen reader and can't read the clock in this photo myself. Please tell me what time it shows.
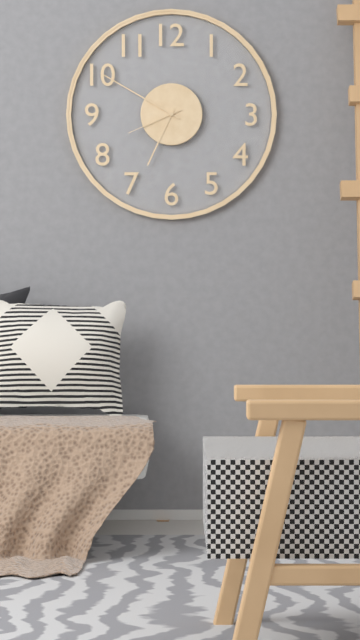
6:50:41
